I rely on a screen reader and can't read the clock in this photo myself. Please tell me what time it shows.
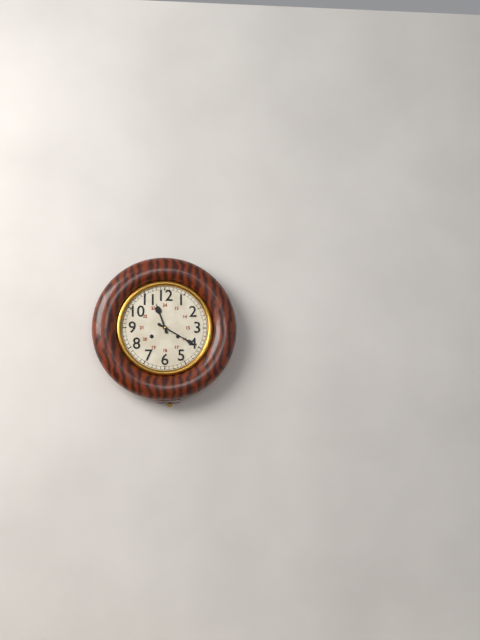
11:20
